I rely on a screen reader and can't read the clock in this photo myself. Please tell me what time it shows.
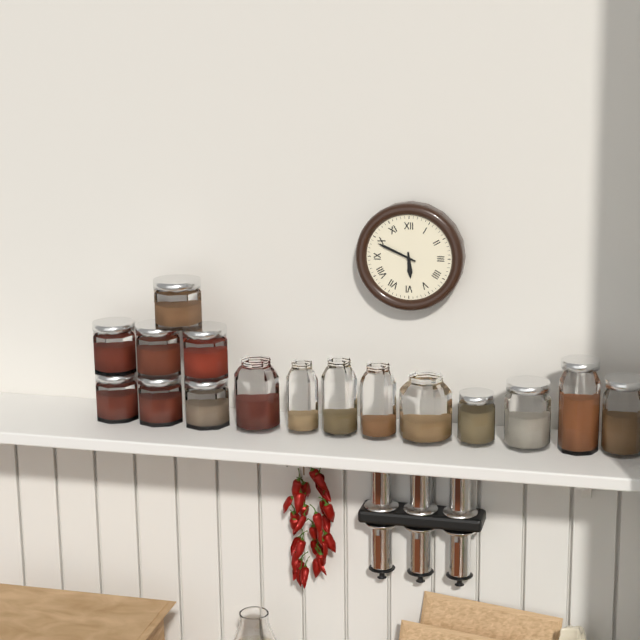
5:49
